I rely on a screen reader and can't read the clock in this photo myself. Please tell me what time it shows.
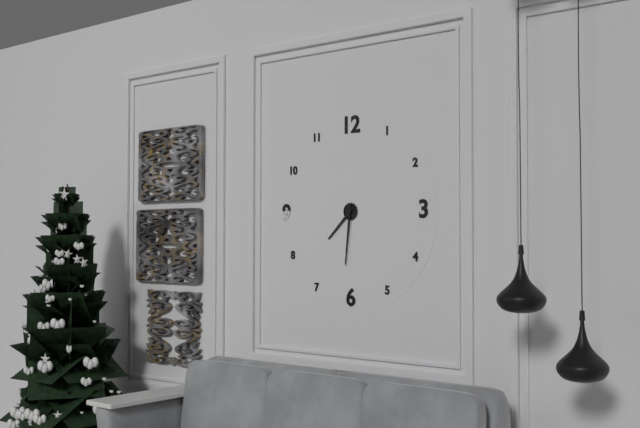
7:31
